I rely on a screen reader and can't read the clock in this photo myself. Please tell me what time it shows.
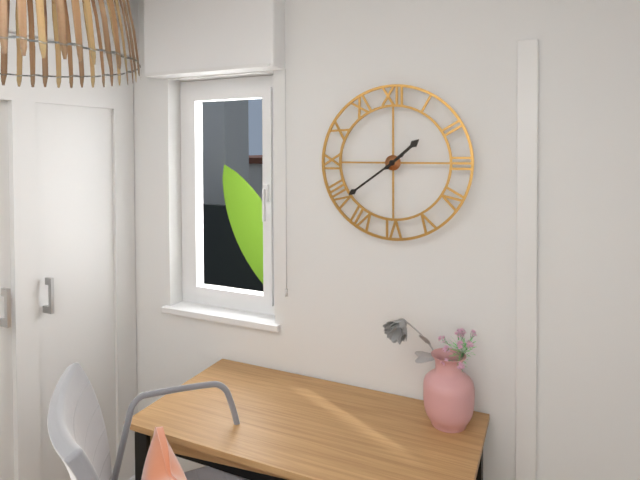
1:39
